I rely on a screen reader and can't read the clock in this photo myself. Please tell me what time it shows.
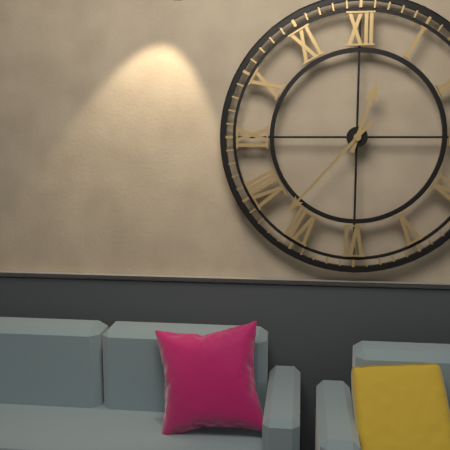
12:37
